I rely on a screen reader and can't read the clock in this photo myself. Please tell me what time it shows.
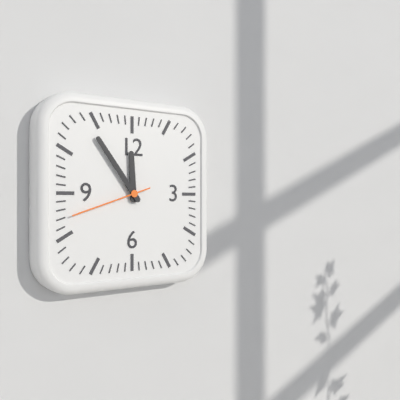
11:54:42
